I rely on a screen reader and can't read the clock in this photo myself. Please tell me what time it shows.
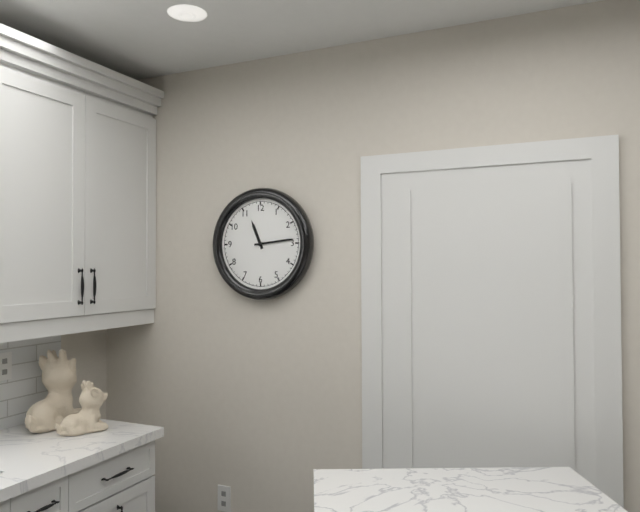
11:14
